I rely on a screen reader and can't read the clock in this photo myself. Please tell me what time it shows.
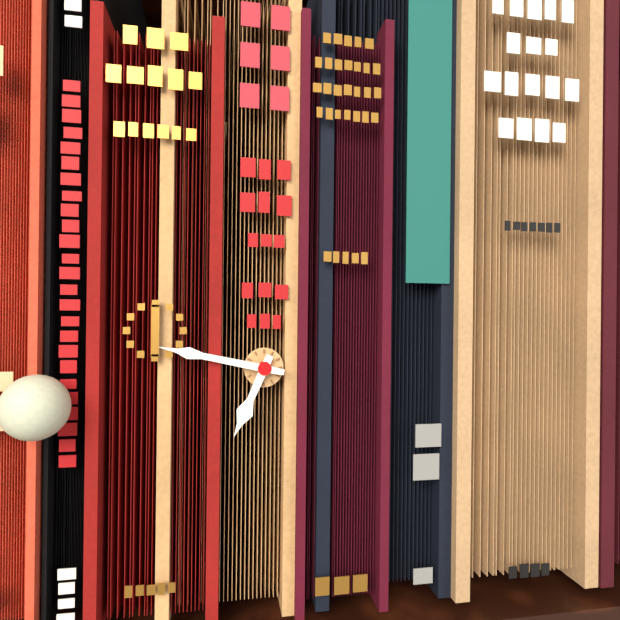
6:47
